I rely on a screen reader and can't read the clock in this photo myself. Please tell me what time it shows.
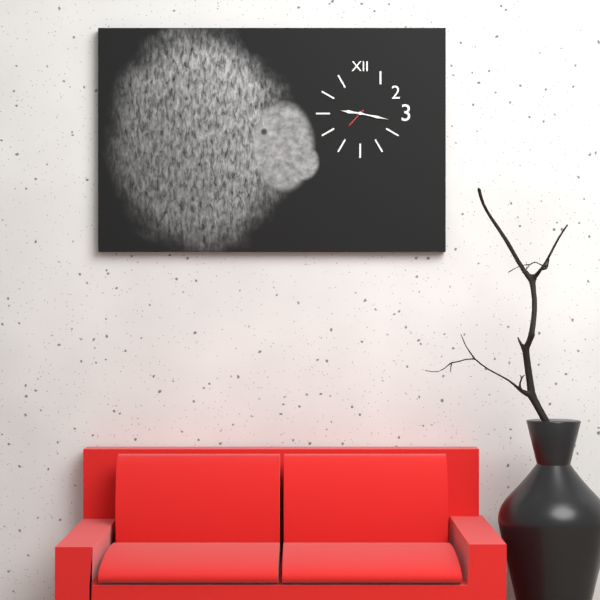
9:17
